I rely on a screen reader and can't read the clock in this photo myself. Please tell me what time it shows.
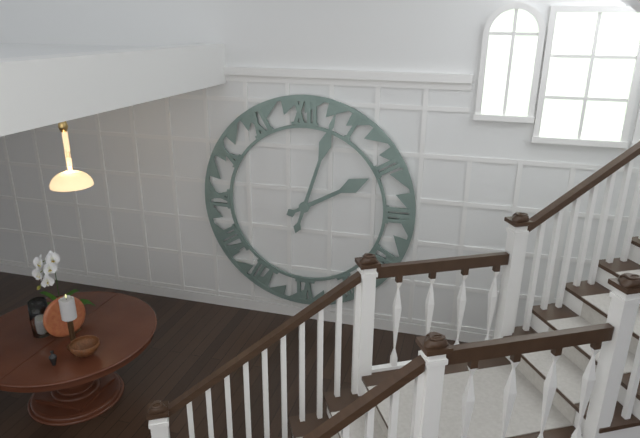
2:03
